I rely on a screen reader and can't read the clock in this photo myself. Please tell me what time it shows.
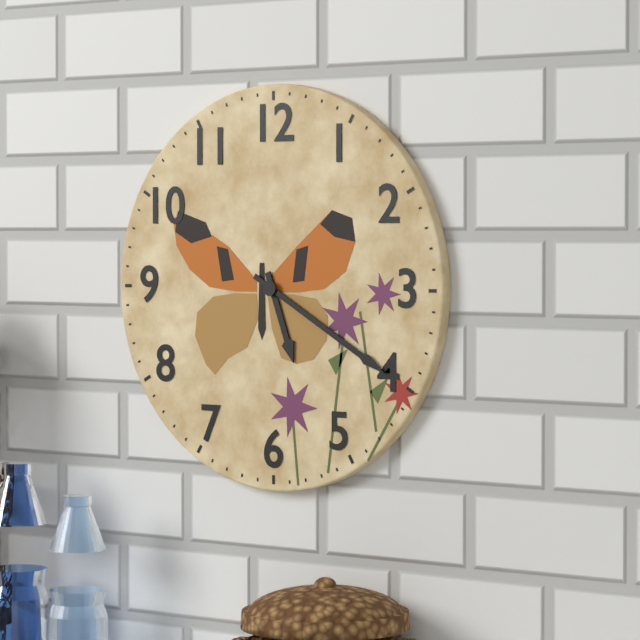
5:20
